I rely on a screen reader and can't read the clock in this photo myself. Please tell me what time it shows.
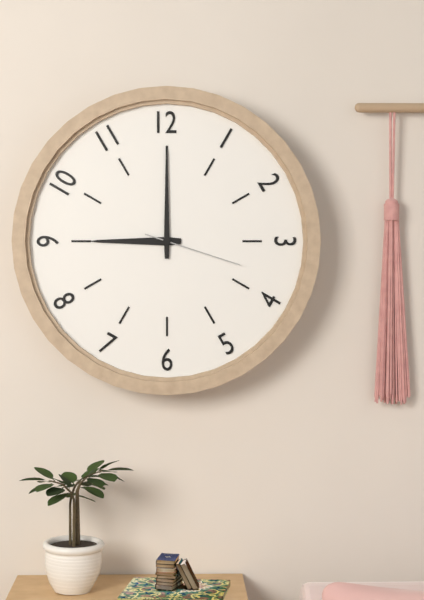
9:00:18
